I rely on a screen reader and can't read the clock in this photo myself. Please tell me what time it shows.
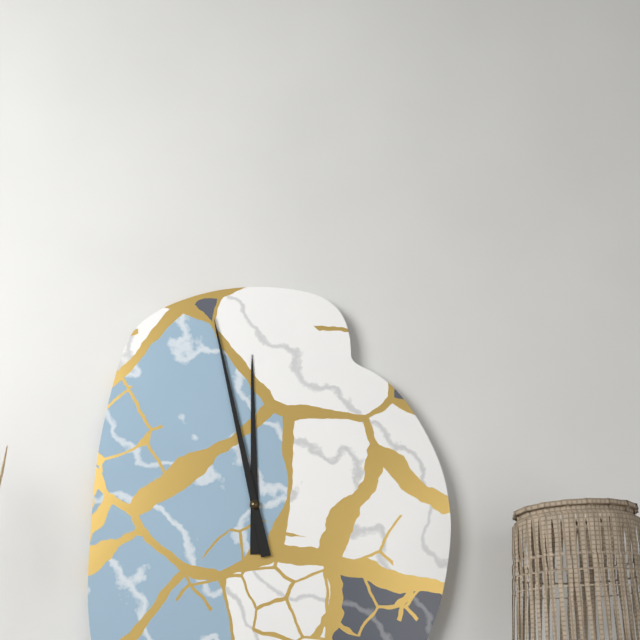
11:58
